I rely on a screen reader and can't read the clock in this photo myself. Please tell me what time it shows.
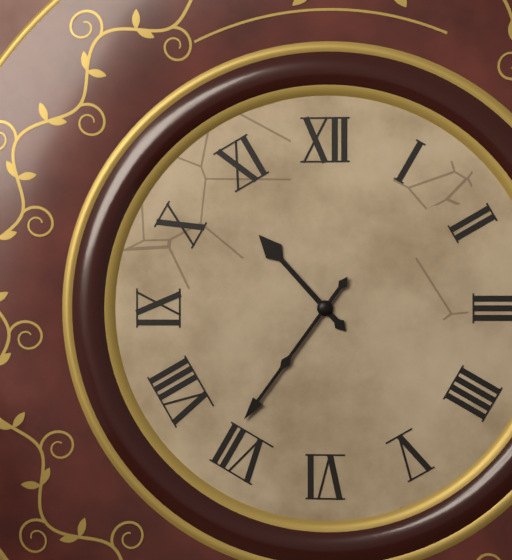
10:36
